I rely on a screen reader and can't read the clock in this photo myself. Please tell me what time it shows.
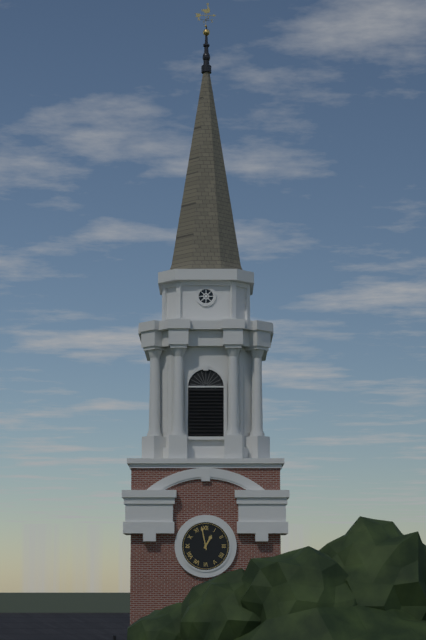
12:58
